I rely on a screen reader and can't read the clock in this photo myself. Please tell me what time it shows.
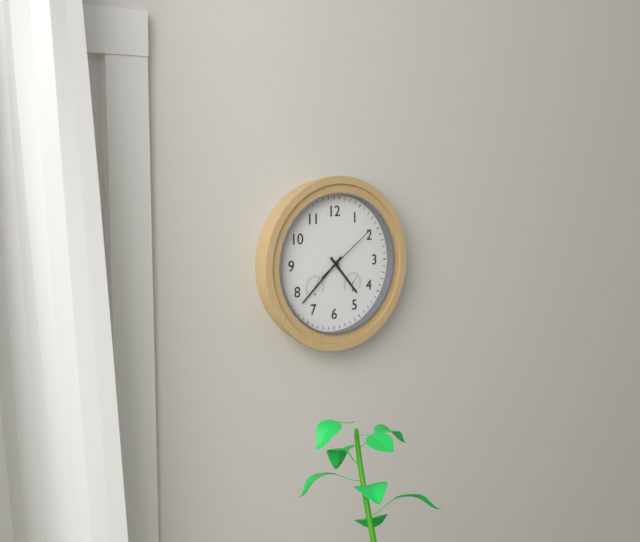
4:38:09
